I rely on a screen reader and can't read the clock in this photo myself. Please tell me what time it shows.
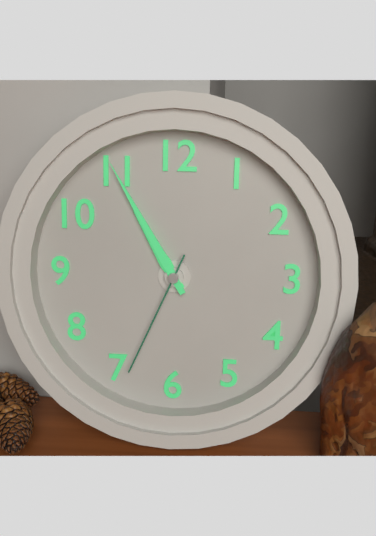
10:55:34
